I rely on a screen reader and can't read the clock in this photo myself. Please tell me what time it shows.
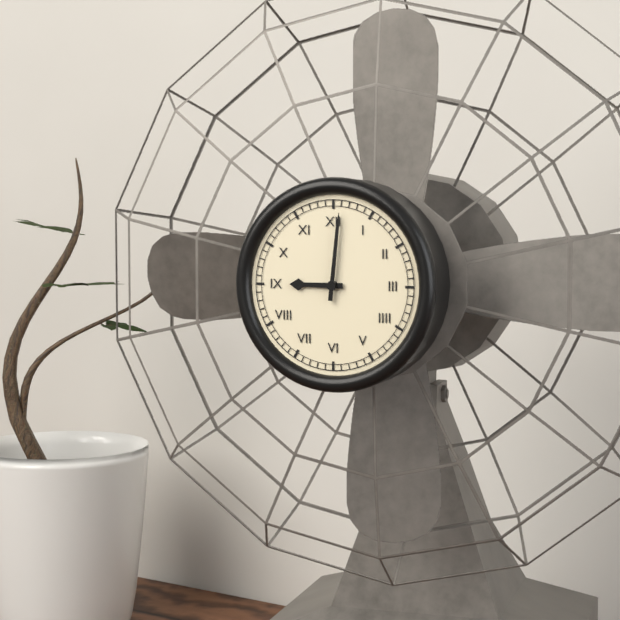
9:01
